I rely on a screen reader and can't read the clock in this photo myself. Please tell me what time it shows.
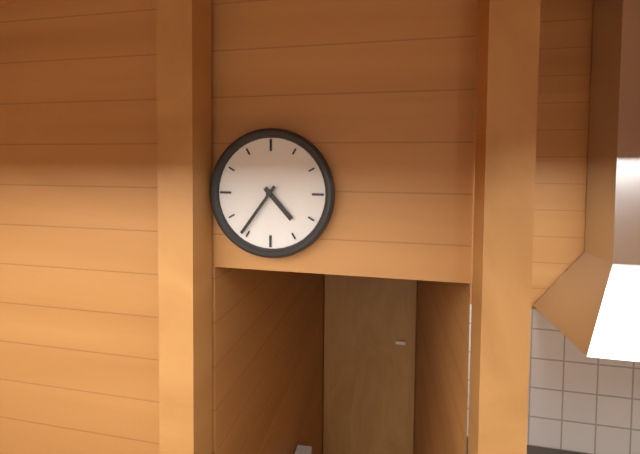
4:36
